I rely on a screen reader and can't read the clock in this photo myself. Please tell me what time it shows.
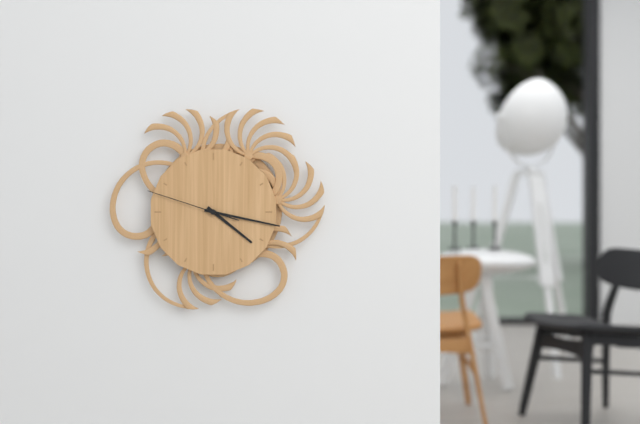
4:17:48
